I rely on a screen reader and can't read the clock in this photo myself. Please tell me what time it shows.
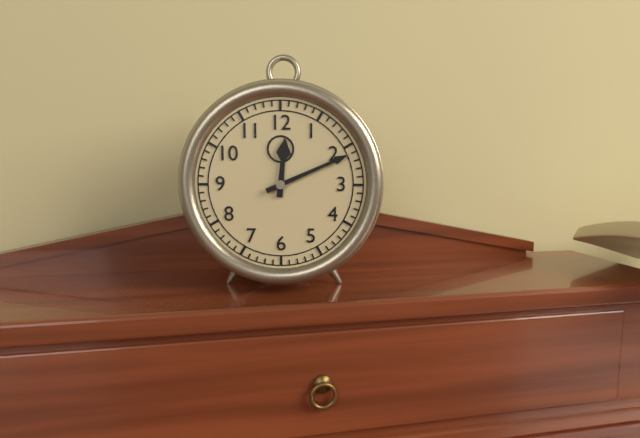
12:11
